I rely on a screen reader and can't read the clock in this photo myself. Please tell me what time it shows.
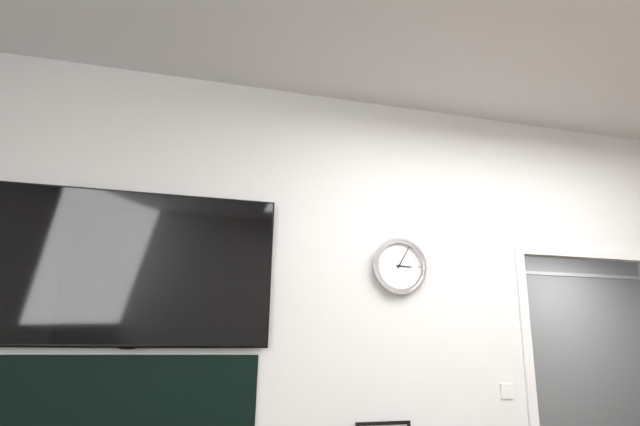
3:05
